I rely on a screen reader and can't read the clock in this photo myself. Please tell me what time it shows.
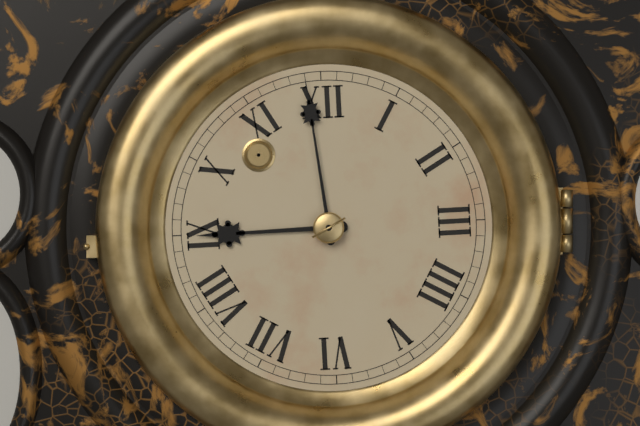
8:59
